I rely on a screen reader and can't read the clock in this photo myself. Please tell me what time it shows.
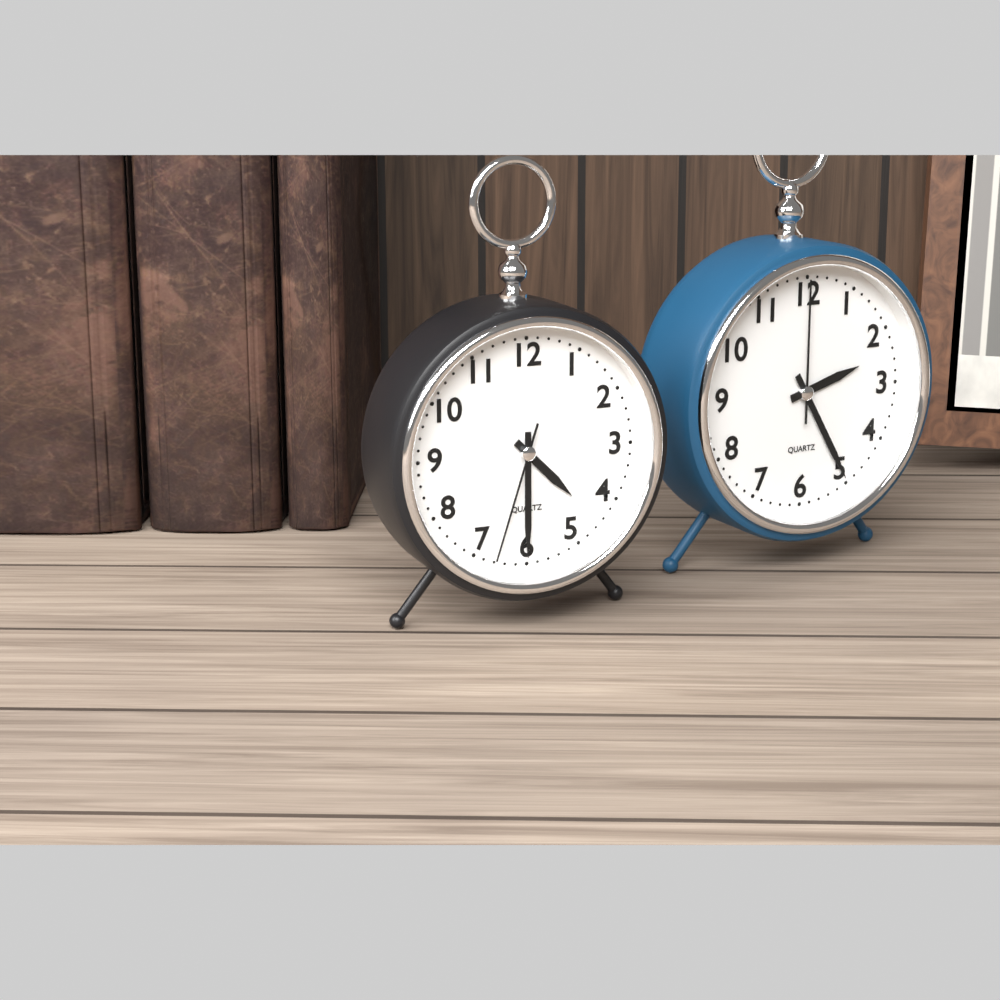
4:30:33
